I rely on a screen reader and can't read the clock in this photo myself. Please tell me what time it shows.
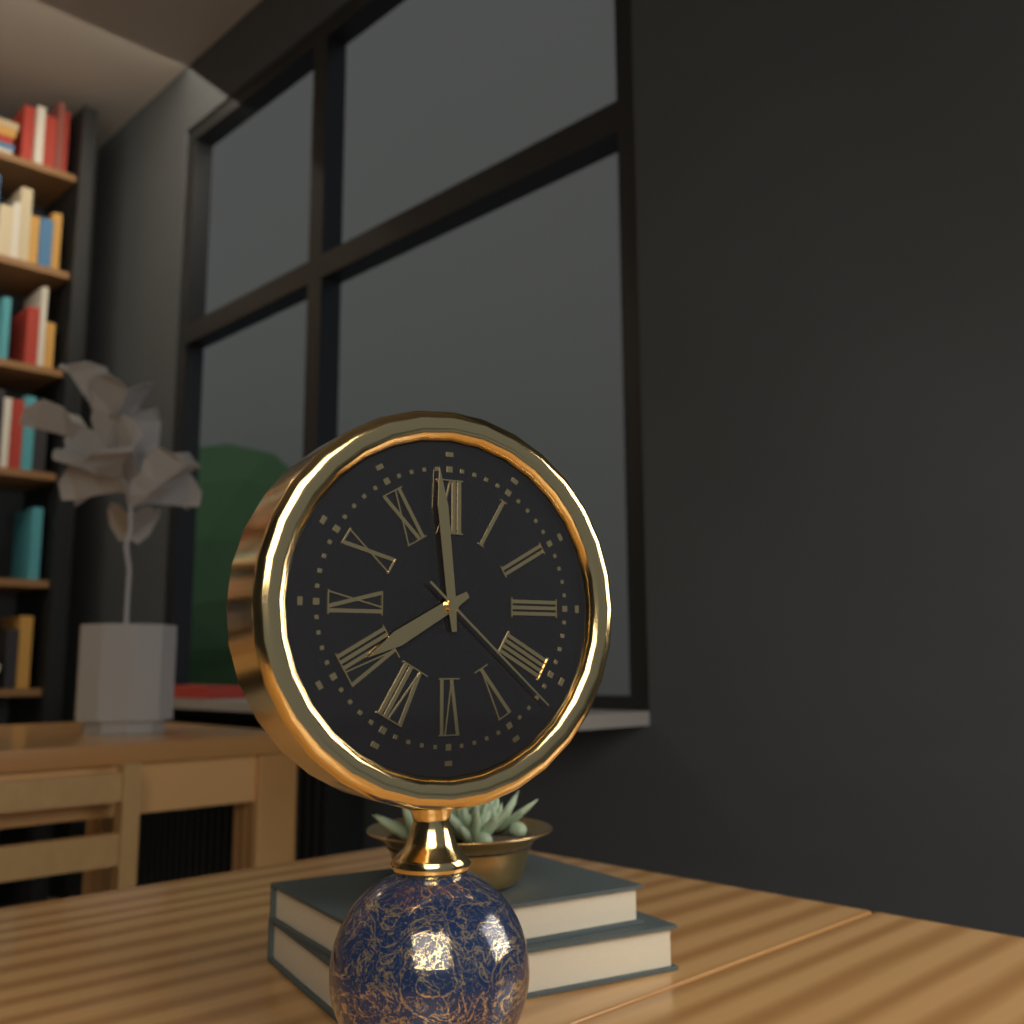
7:59:22
